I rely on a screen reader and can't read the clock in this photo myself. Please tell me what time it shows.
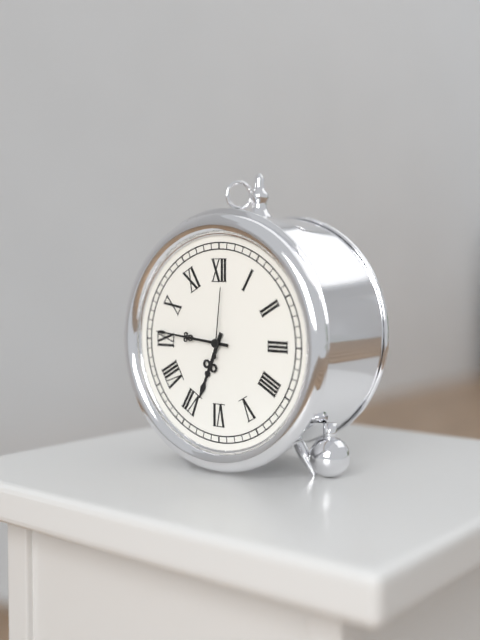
6:46:01
